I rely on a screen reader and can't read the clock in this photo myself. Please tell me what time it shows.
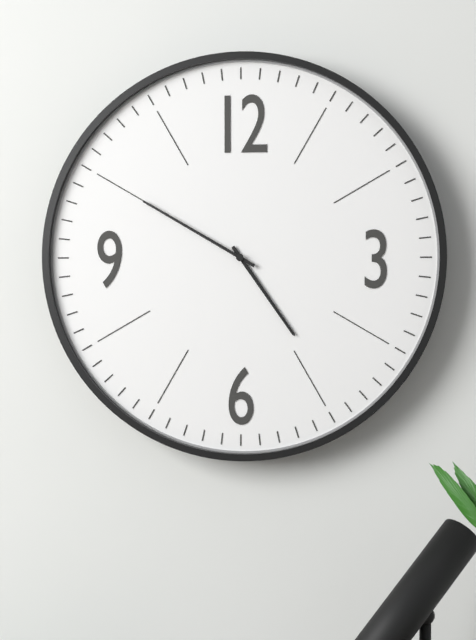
4:50
